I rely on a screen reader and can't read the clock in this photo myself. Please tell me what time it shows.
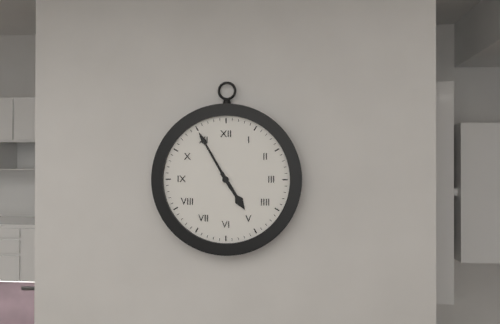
4:55
